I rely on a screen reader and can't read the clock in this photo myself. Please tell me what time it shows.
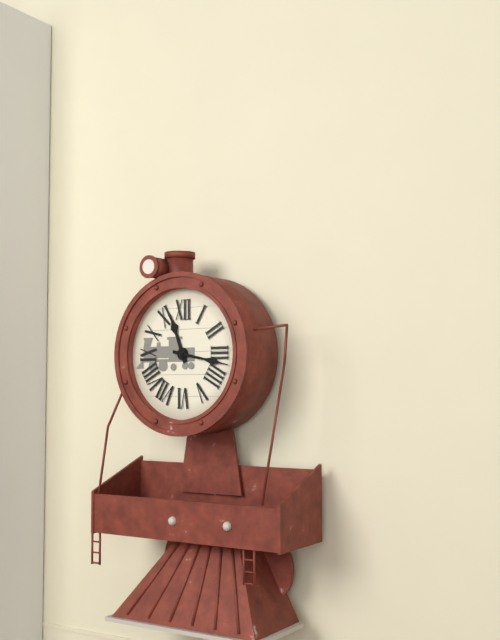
11:17
